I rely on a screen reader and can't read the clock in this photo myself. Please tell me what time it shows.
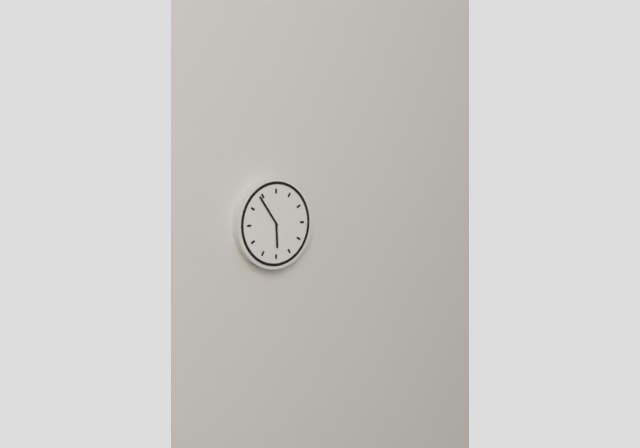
5:54
